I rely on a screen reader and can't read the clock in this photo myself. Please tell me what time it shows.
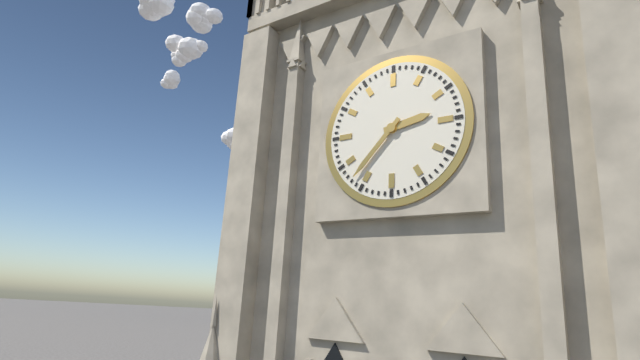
2:37
